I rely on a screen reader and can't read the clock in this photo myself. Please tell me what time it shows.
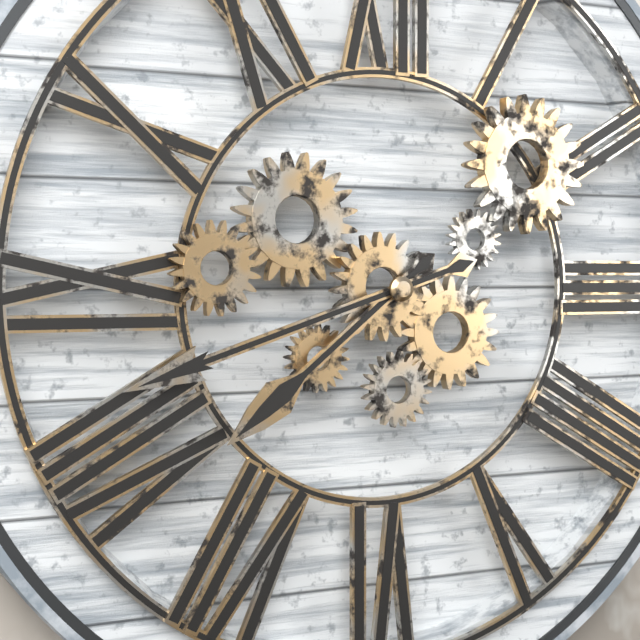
7:42
